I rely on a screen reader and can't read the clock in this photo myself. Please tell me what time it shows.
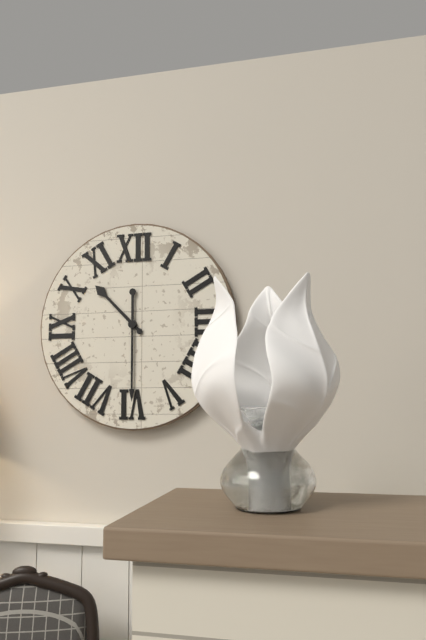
10:30
